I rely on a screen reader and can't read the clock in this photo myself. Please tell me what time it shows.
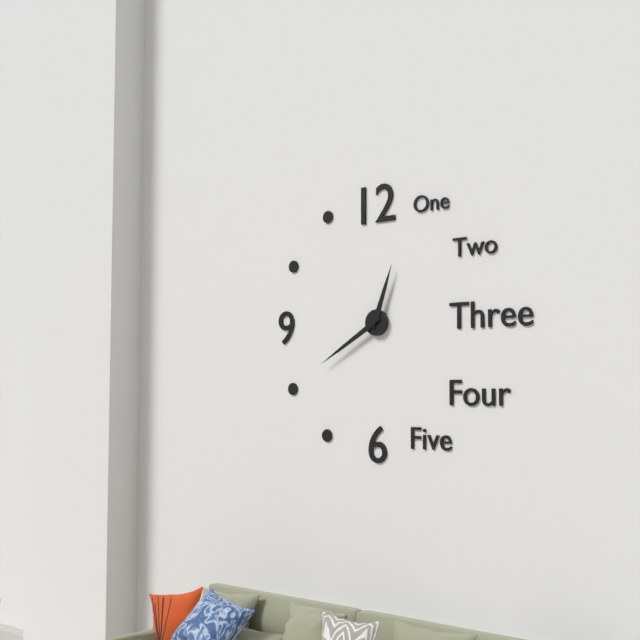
12:40
